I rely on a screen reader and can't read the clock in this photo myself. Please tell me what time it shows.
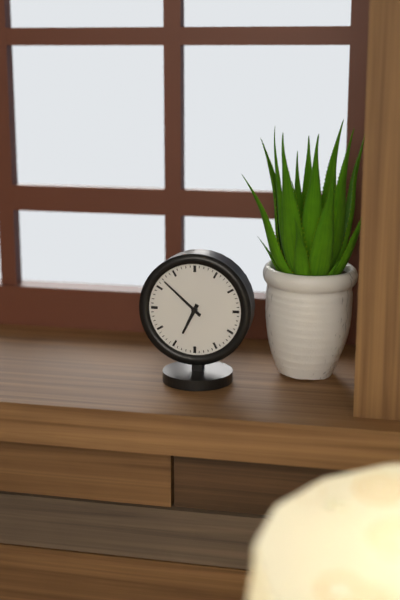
6:52
